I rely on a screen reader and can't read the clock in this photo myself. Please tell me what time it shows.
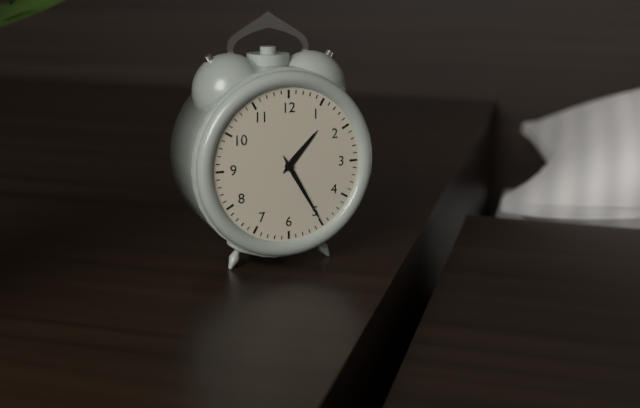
1:25
